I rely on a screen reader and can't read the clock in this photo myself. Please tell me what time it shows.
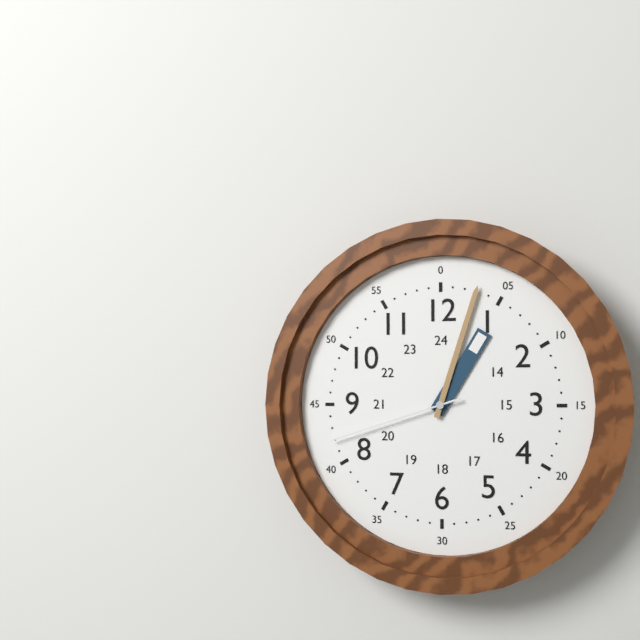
1:03:42
